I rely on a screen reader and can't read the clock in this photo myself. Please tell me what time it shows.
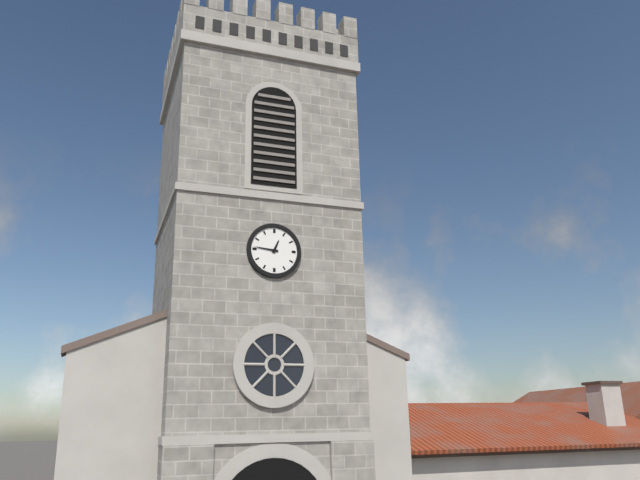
12:46
